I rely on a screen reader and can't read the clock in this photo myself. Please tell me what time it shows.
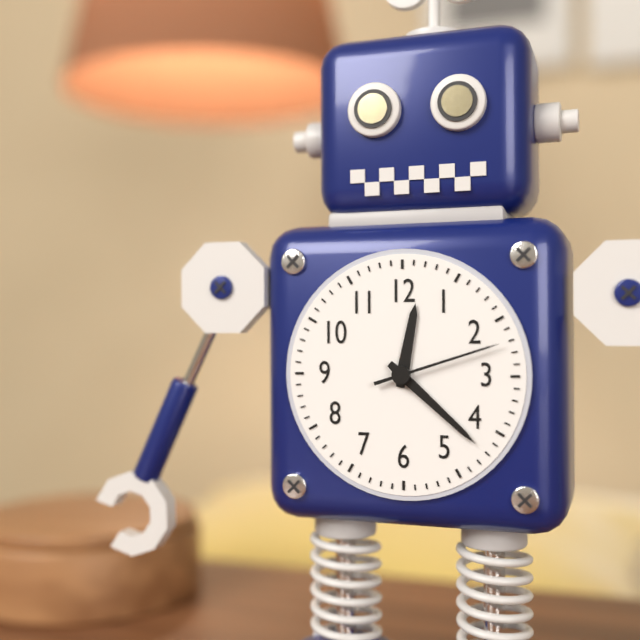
12:22:12
